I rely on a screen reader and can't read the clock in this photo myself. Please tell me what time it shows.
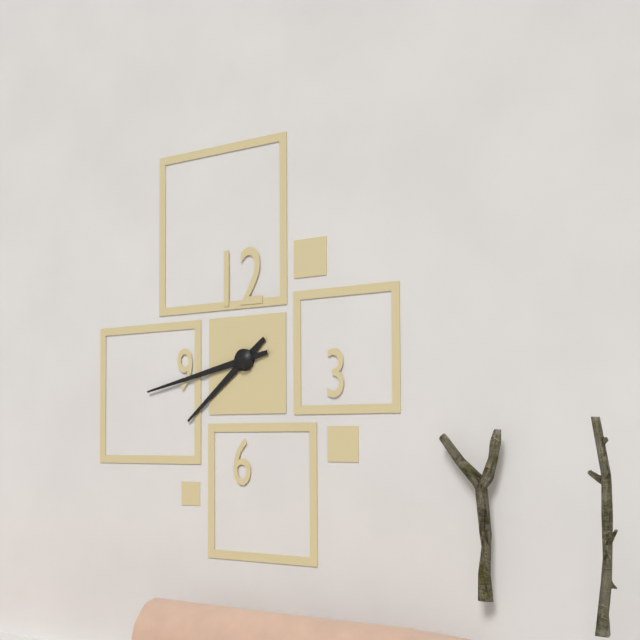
7:43
